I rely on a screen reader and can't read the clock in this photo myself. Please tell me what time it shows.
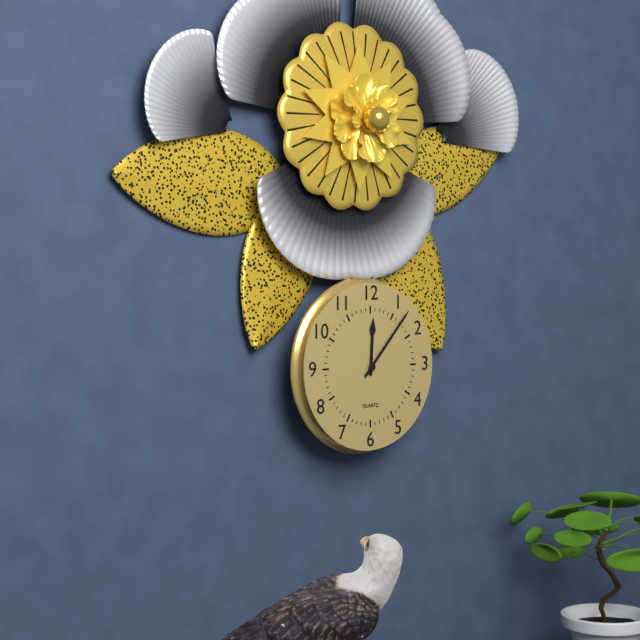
12:07
